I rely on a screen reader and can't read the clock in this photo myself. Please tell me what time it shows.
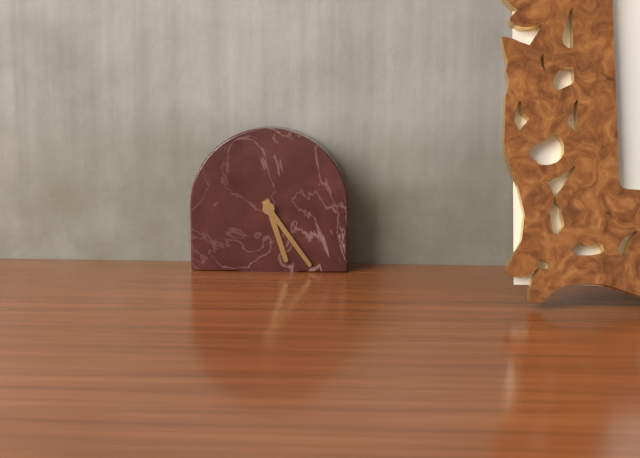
5:24
